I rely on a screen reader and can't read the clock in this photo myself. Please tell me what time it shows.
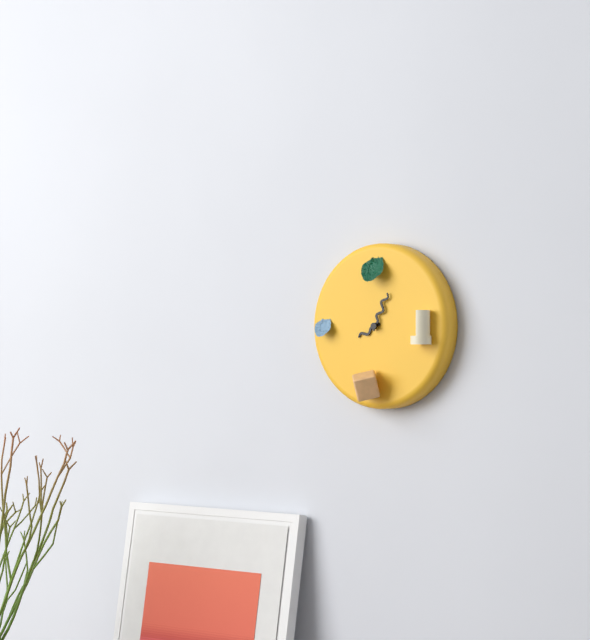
8:04
